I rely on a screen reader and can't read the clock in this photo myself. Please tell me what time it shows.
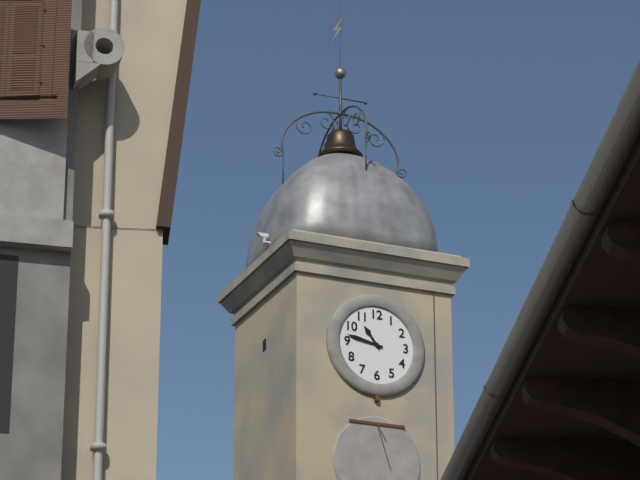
10:47
